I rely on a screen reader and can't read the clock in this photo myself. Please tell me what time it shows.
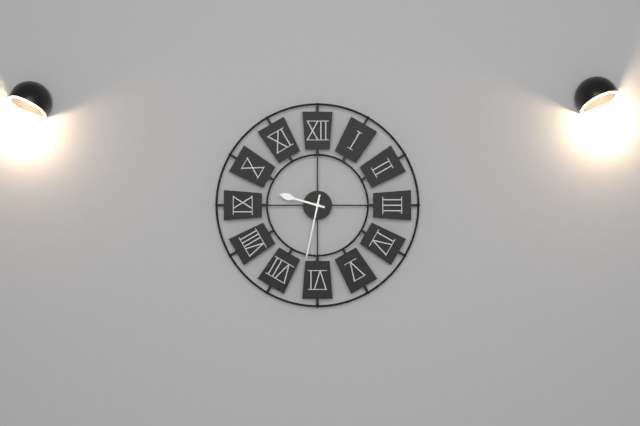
9:32
